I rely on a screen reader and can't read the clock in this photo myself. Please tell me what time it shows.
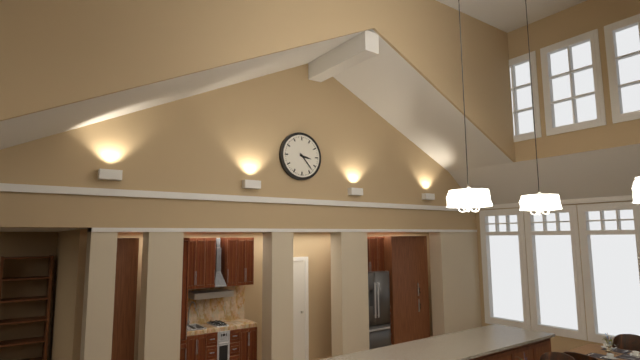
3:23
